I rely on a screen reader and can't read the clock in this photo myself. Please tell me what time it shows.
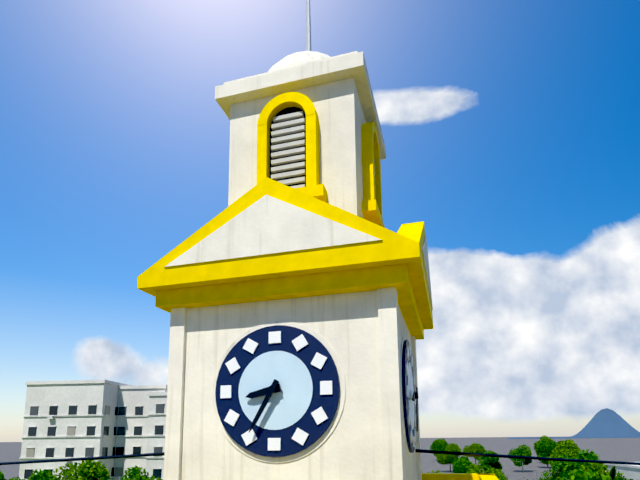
8:35
